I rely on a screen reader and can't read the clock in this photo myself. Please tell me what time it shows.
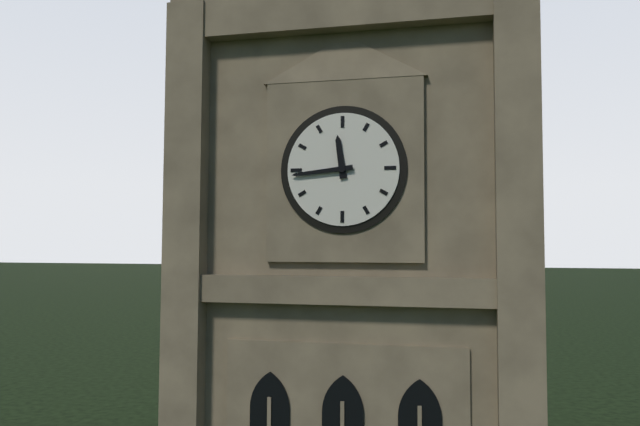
11:44
